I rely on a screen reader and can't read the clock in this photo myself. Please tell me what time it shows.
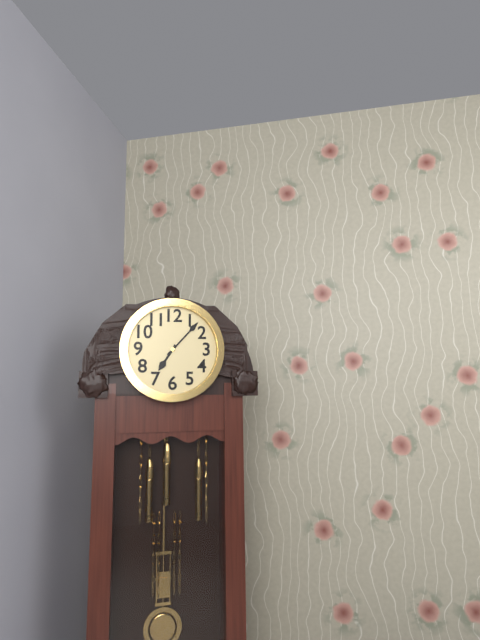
7:07
